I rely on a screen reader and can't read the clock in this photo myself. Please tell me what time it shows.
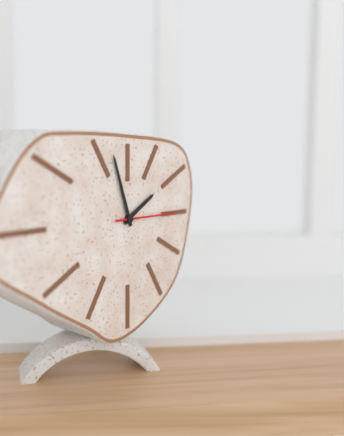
1:57:15
